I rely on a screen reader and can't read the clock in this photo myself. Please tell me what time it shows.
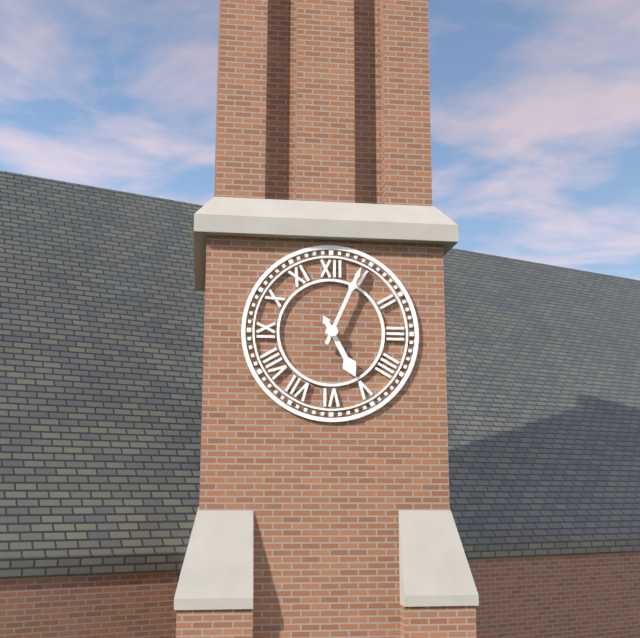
5:04
